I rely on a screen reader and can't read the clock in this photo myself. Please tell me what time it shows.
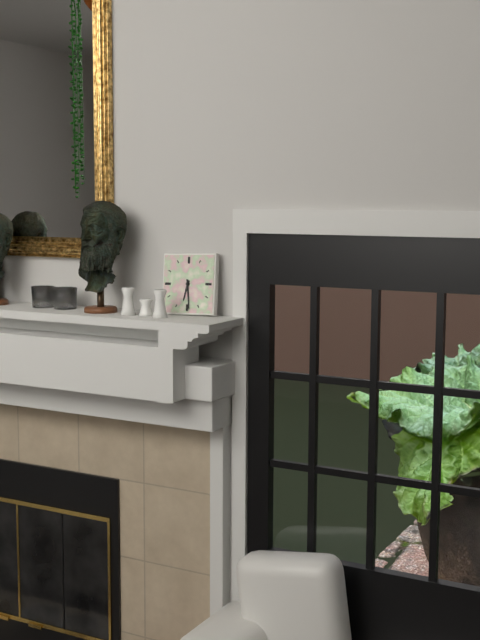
6:29
